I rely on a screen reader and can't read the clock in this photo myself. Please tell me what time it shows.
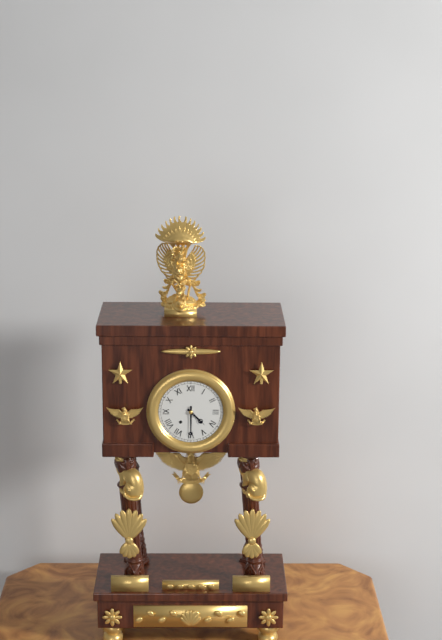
4:30
